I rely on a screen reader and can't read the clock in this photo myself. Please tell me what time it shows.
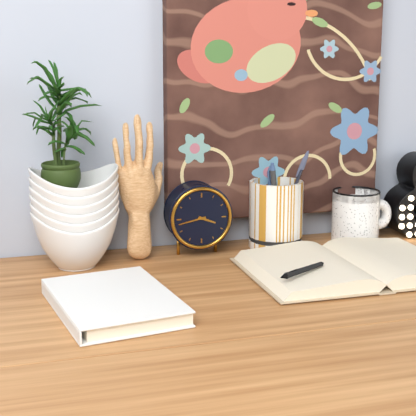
3:43
